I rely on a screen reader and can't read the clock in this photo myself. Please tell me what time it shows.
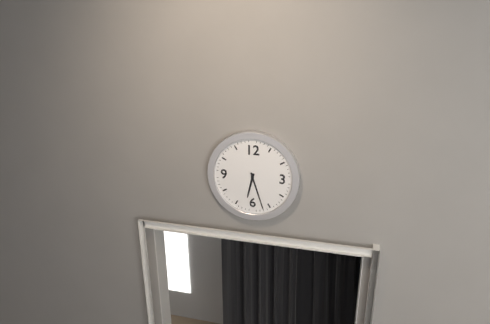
6:27
